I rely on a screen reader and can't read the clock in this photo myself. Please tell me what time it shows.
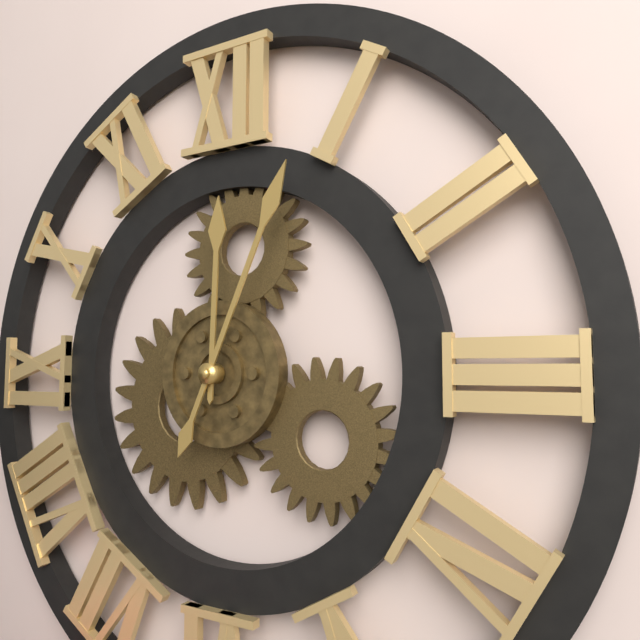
12:04
